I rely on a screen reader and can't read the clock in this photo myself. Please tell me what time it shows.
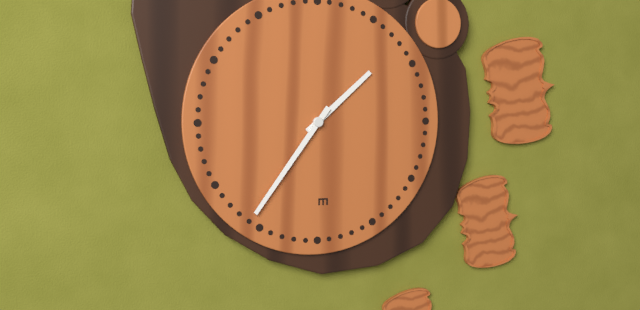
1:36
